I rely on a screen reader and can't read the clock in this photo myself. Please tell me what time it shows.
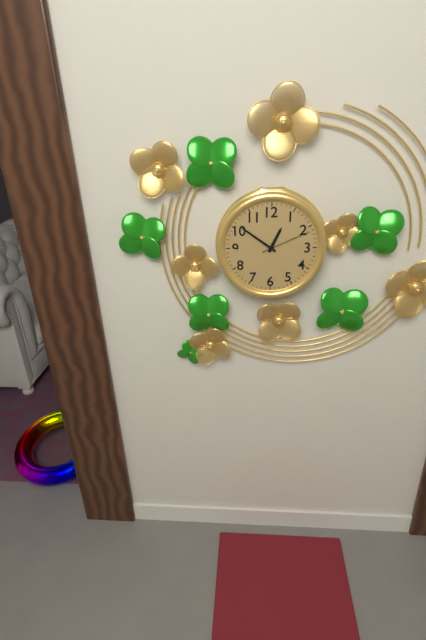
12:51:11
